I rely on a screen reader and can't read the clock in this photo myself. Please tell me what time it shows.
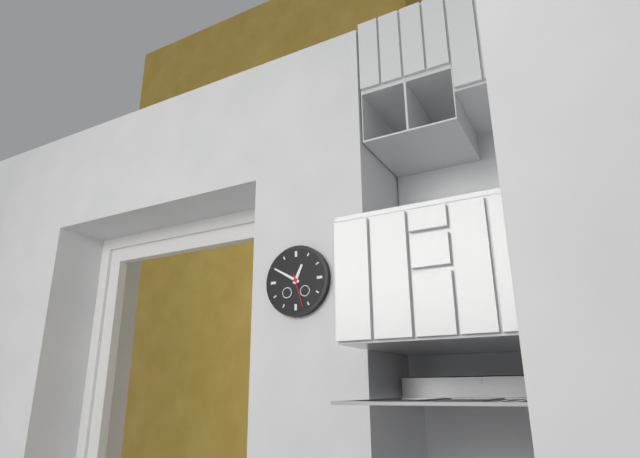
12:50
